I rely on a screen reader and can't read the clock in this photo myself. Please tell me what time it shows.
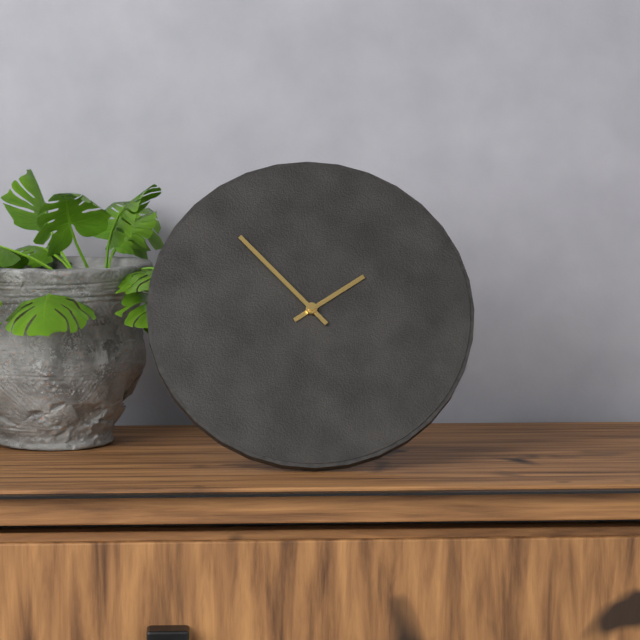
1:53
